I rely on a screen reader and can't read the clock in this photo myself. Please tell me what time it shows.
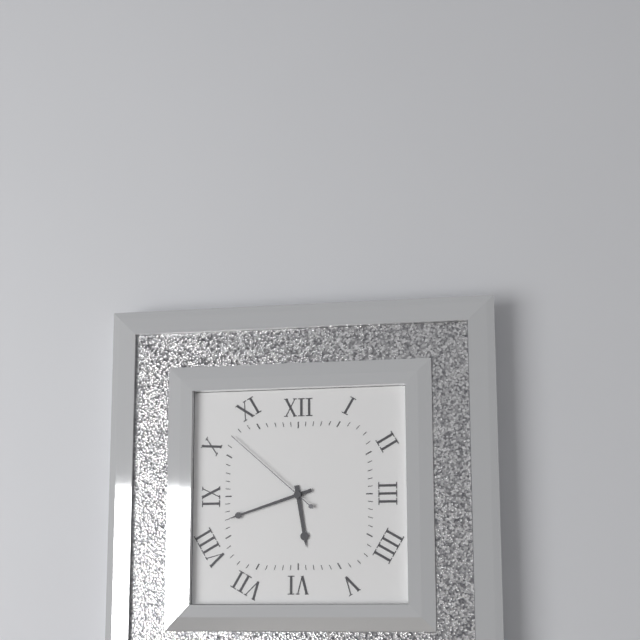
5:42:52
